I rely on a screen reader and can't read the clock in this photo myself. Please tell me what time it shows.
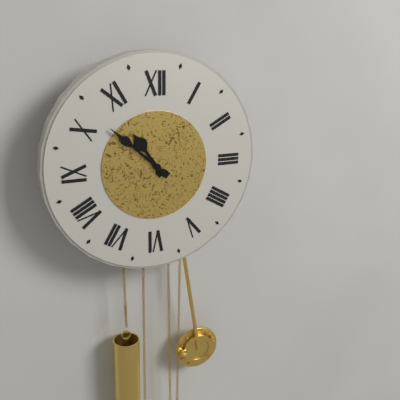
10:52
